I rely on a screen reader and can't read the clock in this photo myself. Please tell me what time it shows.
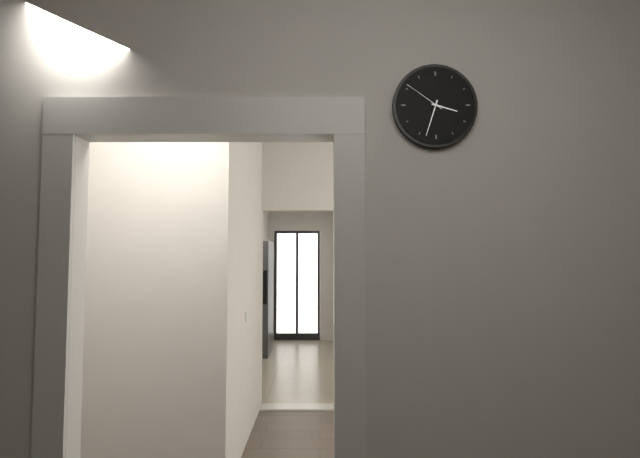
3:33
